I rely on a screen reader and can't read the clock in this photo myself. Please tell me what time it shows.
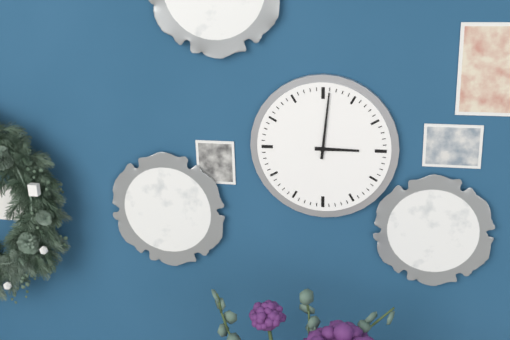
3:01
